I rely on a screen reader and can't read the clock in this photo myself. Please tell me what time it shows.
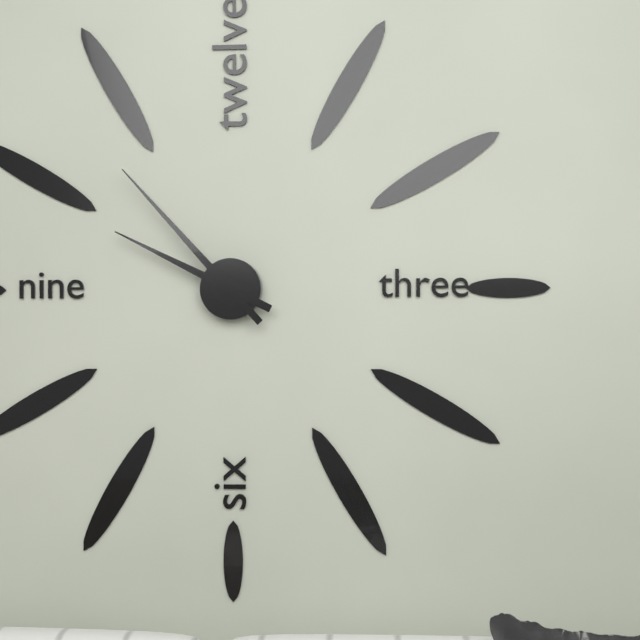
9:53
